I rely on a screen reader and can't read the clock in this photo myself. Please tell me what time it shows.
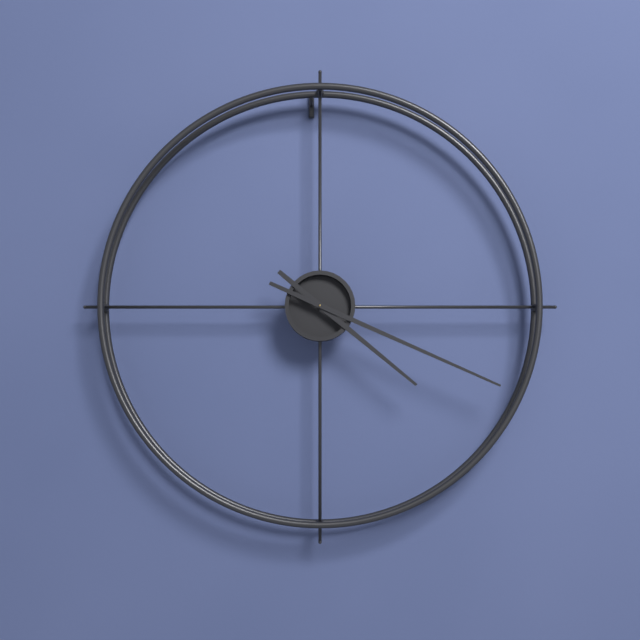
4:19
